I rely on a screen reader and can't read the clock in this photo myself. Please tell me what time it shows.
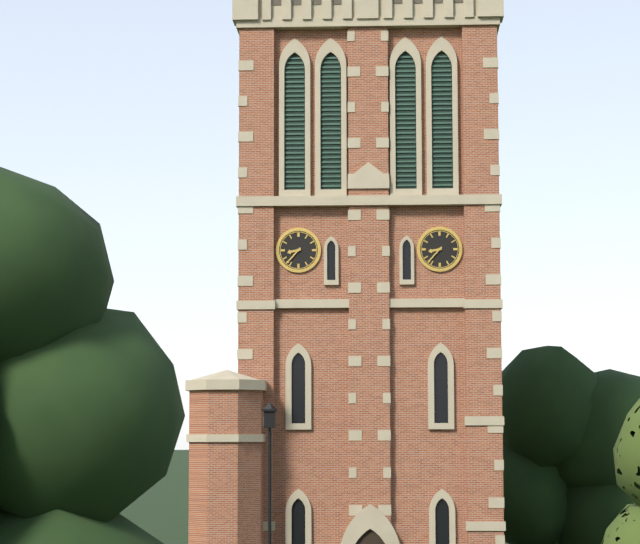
8:37
